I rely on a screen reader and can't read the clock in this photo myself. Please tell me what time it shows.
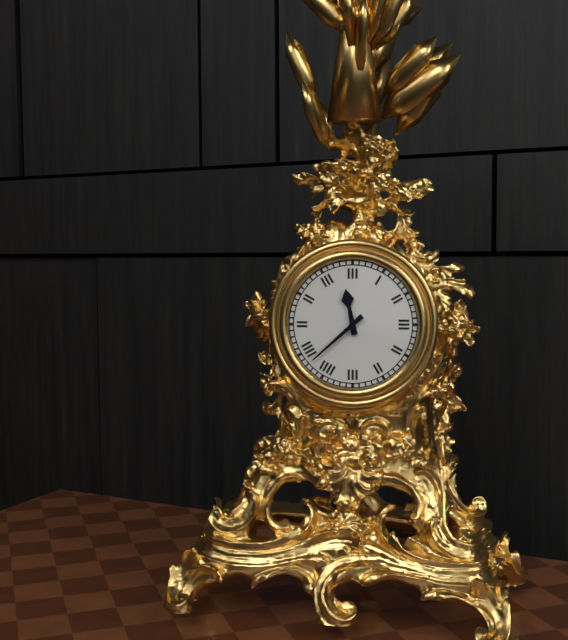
11:38
